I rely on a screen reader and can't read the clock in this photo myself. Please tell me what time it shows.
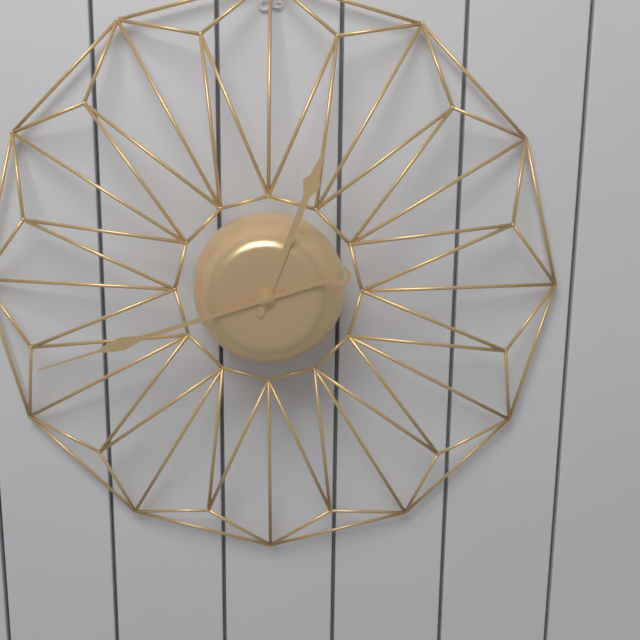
12:42
